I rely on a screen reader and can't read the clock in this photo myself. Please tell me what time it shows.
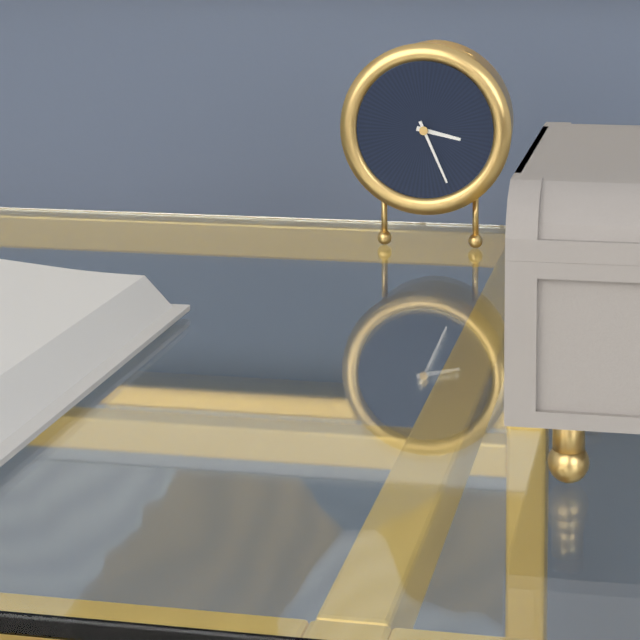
3:26
